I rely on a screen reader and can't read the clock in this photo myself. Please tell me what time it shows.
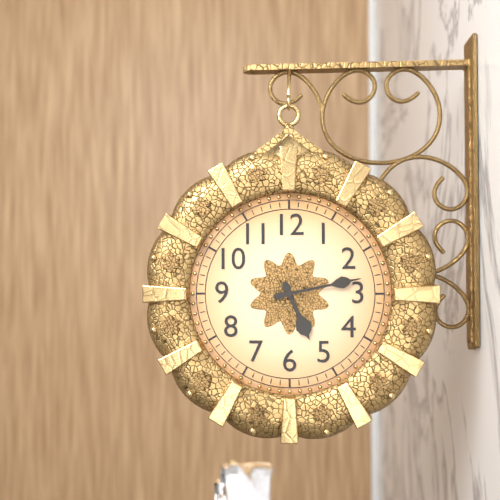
5:13
